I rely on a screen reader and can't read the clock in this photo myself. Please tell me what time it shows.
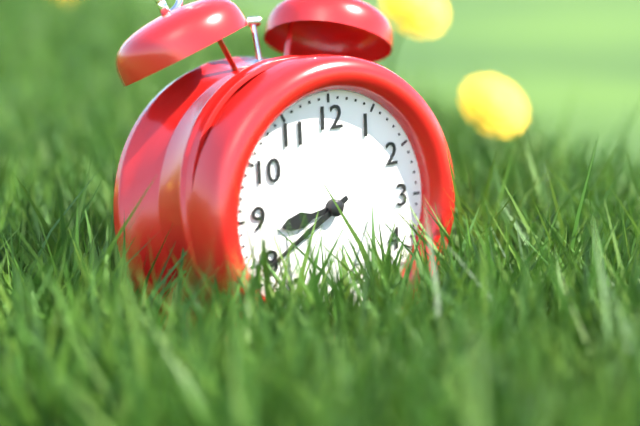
8:40
